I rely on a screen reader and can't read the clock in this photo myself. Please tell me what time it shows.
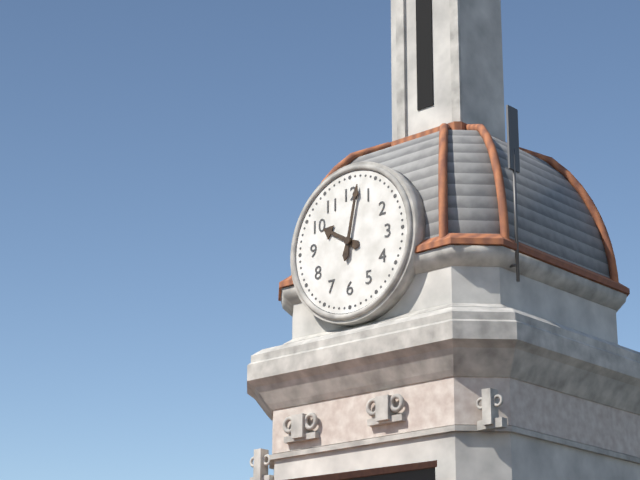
10:02
